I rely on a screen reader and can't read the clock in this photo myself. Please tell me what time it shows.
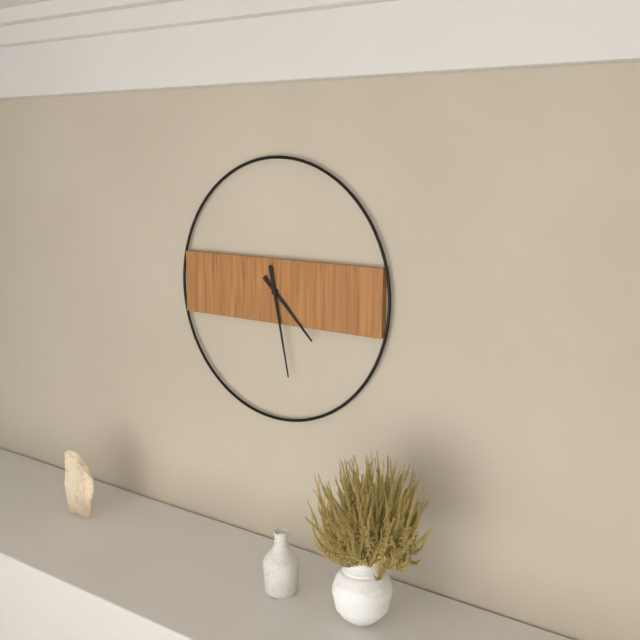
4:28
